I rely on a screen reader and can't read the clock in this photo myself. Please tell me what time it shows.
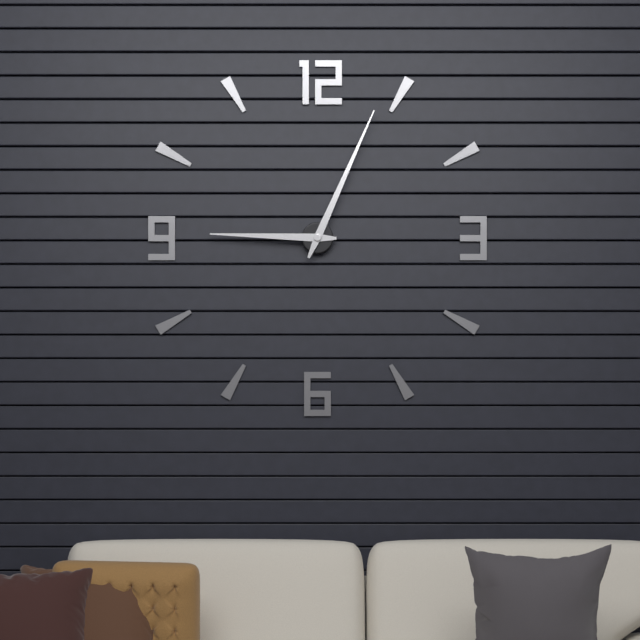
9:04
